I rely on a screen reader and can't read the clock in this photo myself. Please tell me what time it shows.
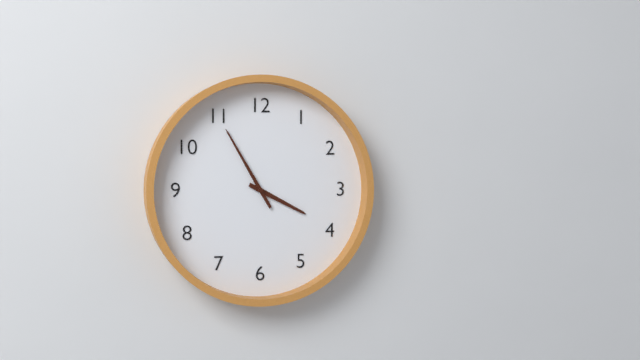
3:55
